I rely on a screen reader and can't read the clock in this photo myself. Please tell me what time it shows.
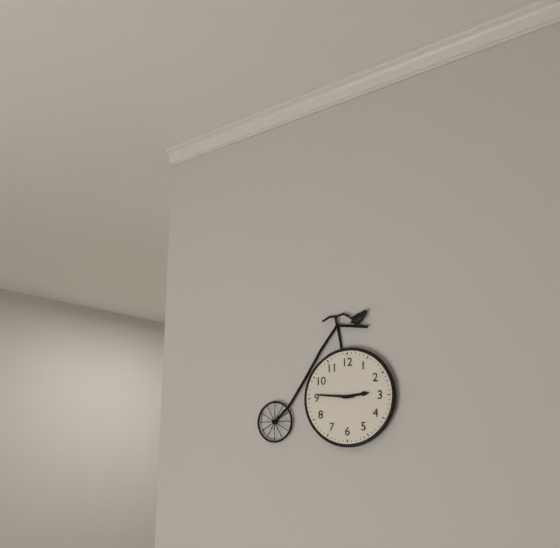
2:46
